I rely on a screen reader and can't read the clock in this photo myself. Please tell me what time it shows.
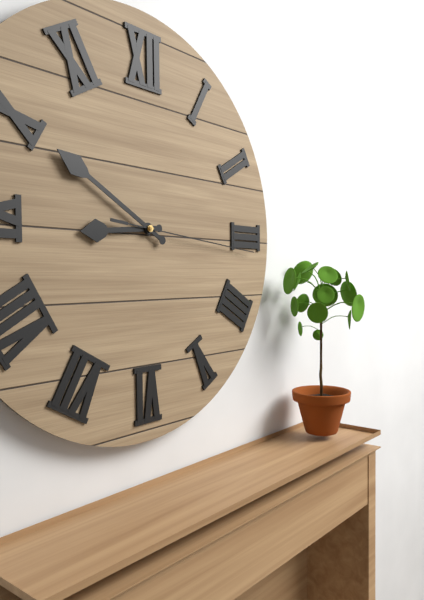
8:50:16
